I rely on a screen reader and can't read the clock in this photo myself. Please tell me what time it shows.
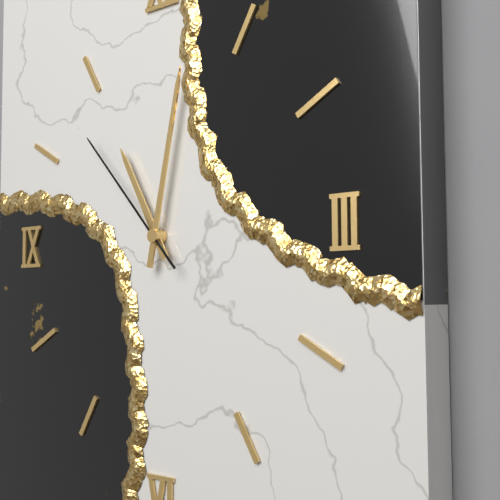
11:02:53
